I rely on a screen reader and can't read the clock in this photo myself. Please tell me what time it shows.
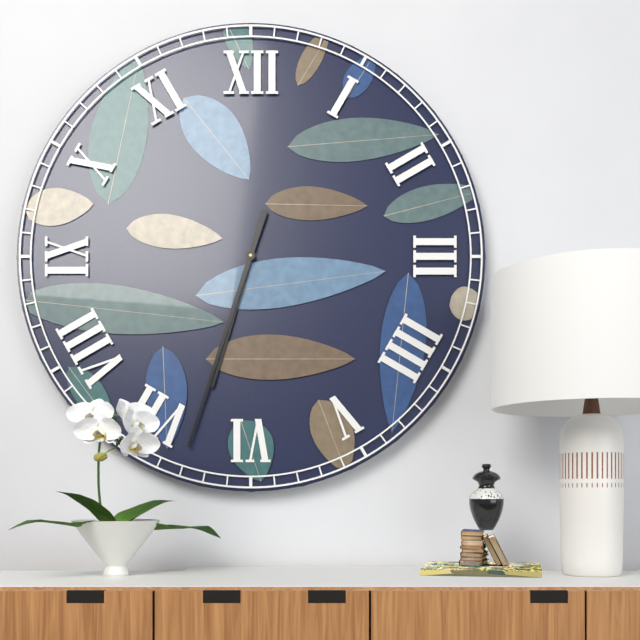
6:33
